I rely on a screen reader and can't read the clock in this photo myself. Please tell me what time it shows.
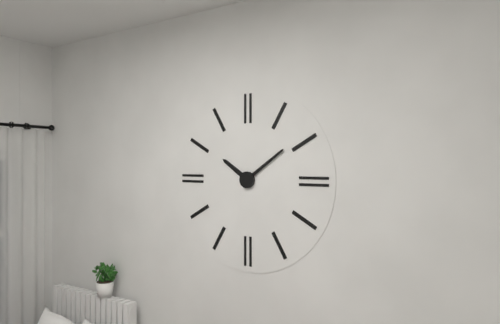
10:09
